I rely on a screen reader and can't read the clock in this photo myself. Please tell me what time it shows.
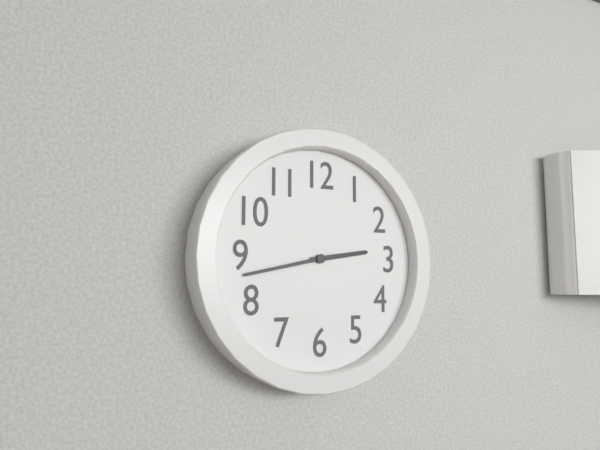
2:43
